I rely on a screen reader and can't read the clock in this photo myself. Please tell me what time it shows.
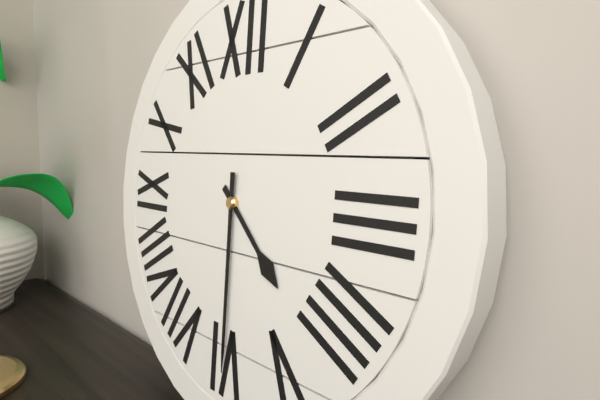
4:30
